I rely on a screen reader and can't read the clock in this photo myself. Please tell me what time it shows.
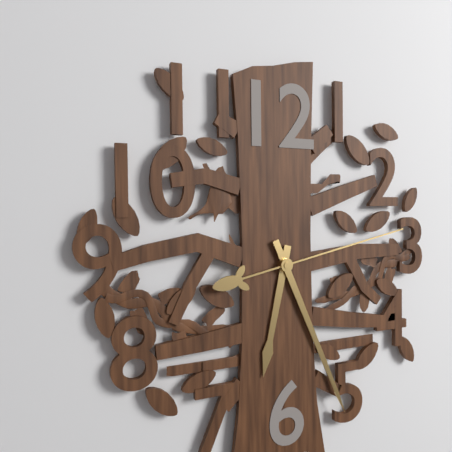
6:26:13
